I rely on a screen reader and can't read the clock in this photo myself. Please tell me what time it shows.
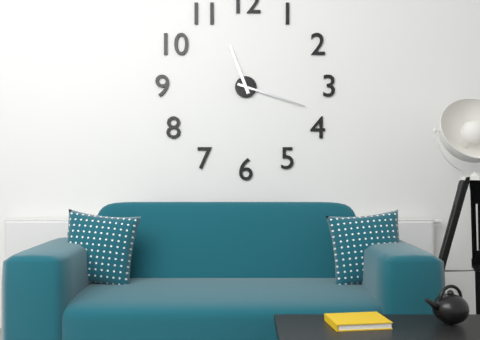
11:18
